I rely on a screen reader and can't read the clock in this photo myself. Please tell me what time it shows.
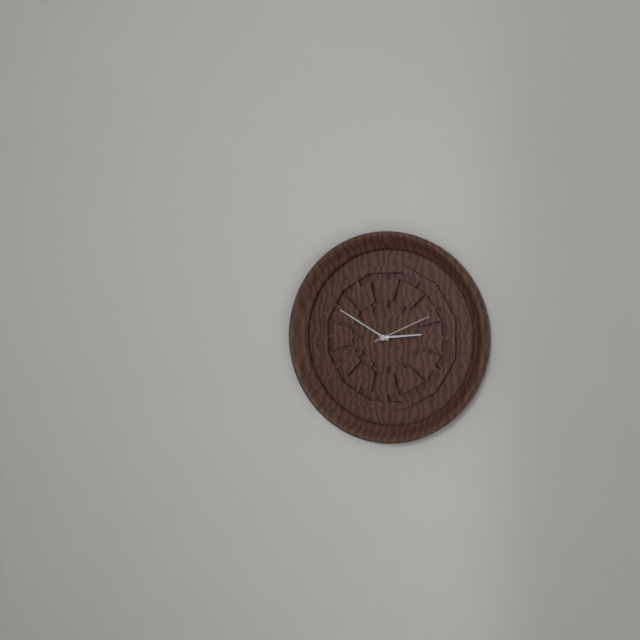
2:50:11
